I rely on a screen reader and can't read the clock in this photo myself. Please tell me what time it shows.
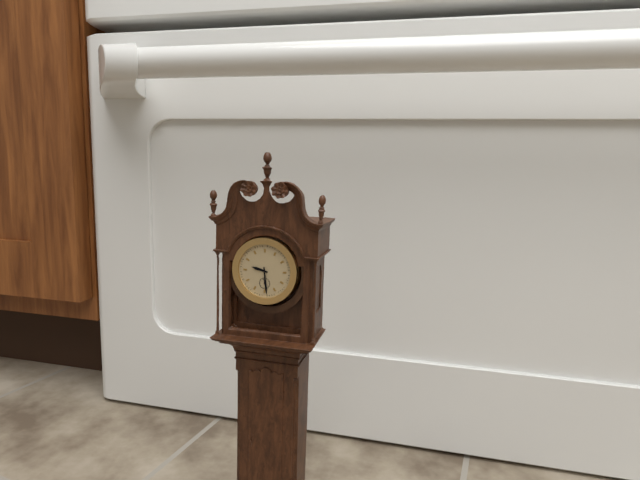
9:29
